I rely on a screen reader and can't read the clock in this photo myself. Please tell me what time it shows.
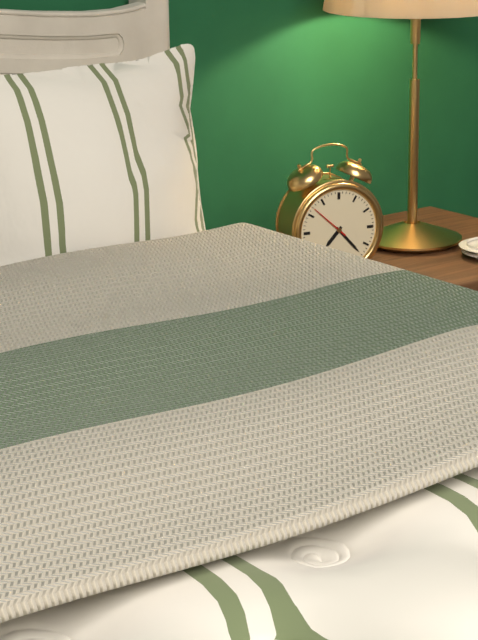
7:23
